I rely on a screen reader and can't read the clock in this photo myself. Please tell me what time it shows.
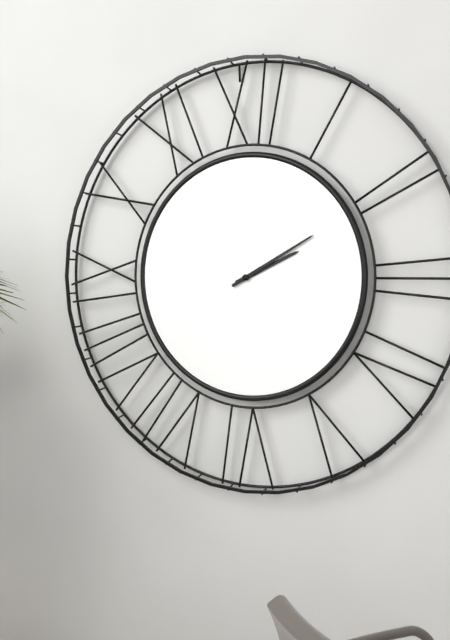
2:10
